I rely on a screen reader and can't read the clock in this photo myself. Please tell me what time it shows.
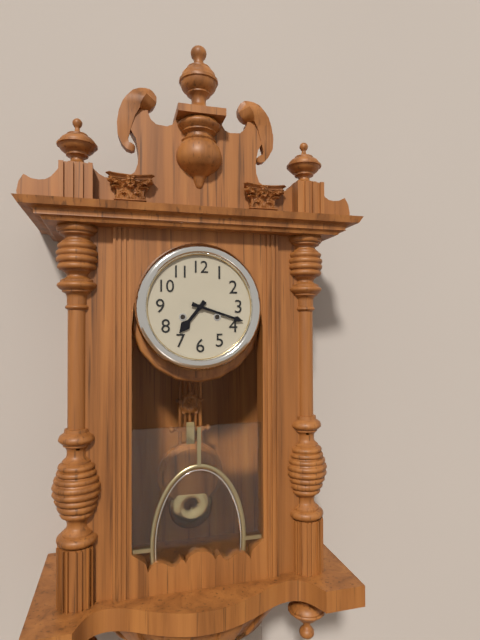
7:18
